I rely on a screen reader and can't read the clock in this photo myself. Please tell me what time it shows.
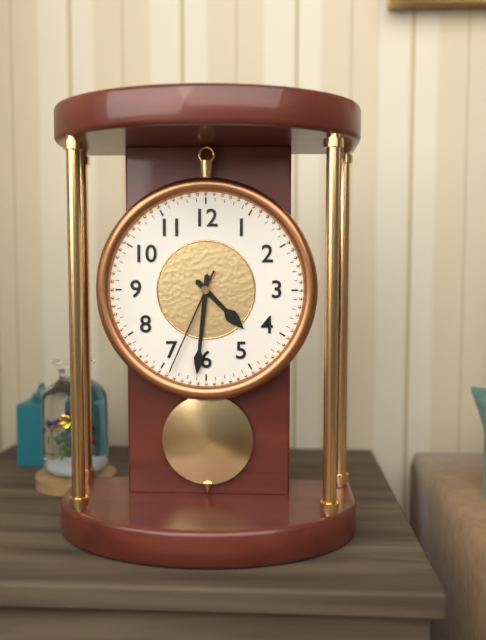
4:31:34
